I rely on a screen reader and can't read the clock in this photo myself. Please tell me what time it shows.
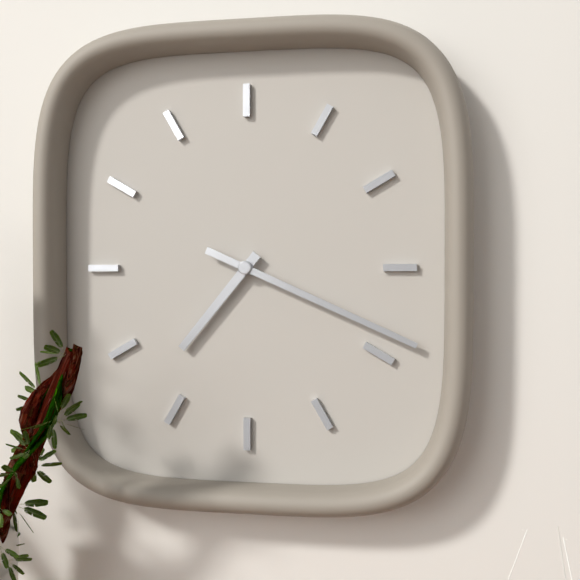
7:19
